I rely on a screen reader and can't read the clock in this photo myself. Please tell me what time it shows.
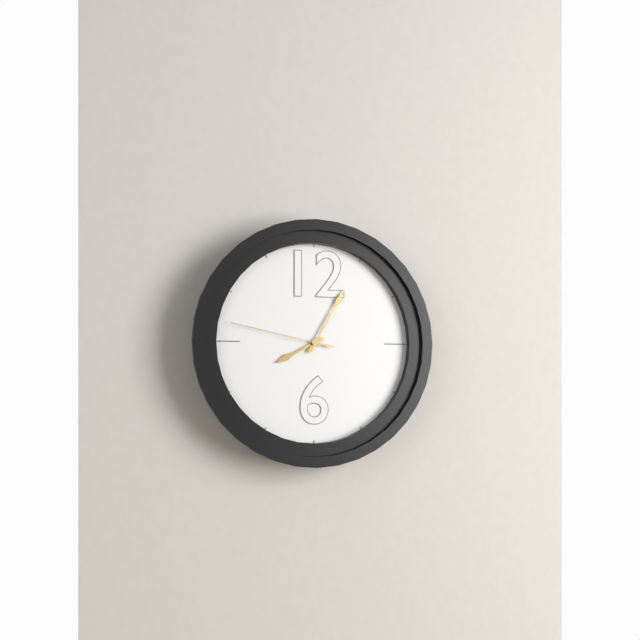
8:05:47
